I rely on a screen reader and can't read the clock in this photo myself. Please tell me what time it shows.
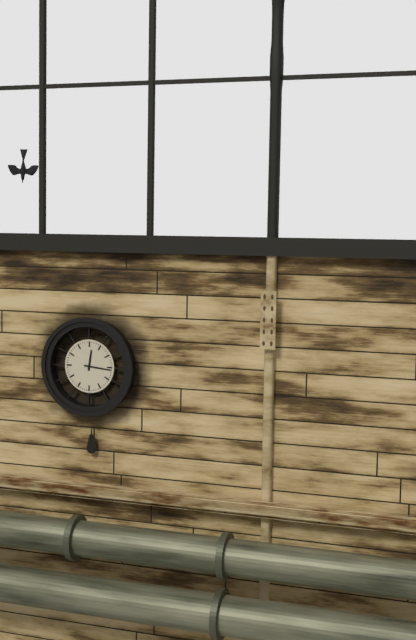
12:16
